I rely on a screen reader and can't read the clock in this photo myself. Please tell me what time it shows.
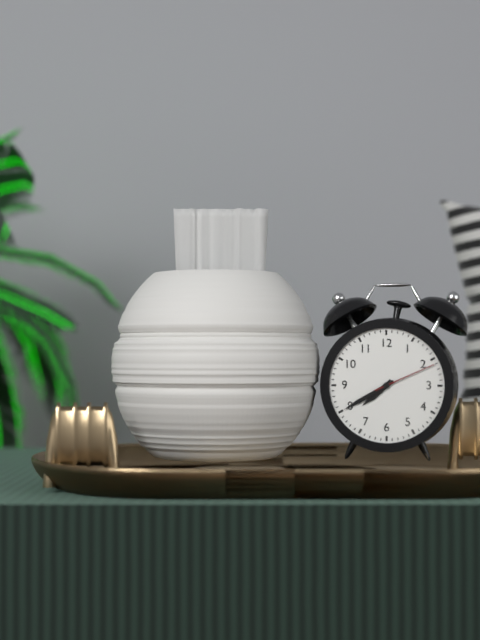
7:40:11
